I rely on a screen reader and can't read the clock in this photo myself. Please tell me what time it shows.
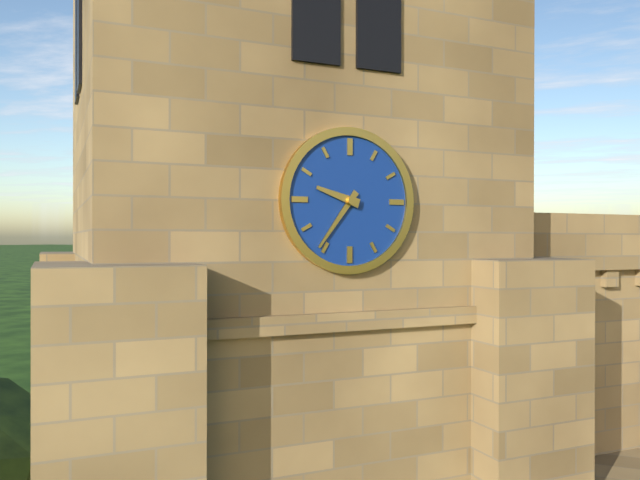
9:36
